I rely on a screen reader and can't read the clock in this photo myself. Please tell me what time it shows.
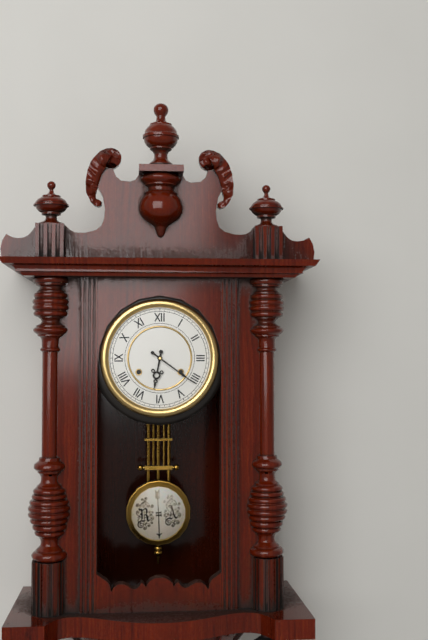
6:21
